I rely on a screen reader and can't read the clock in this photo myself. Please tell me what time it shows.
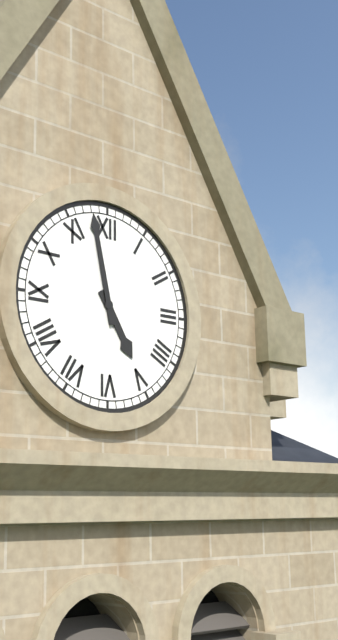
4:58
